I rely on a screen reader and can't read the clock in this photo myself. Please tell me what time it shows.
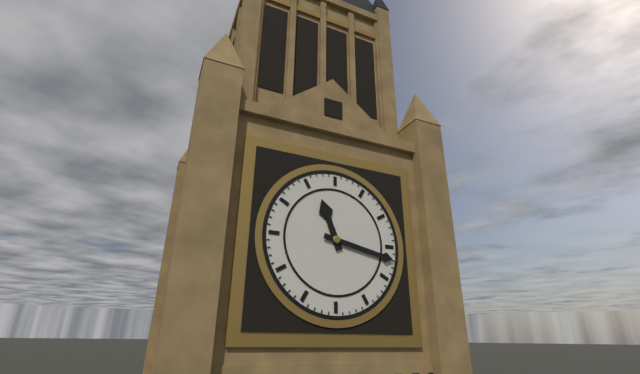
11:17
